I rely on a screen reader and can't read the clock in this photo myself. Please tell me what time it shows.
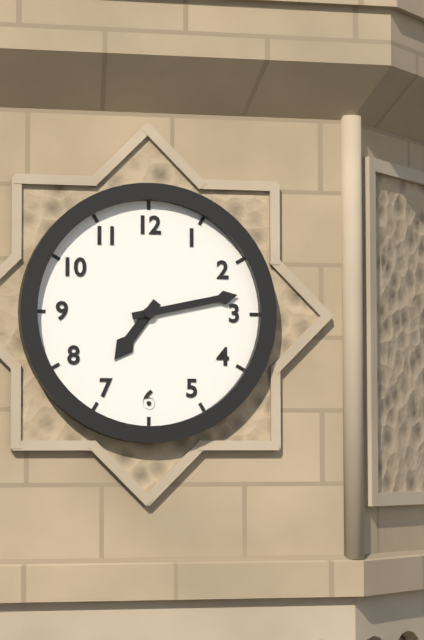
7:13
